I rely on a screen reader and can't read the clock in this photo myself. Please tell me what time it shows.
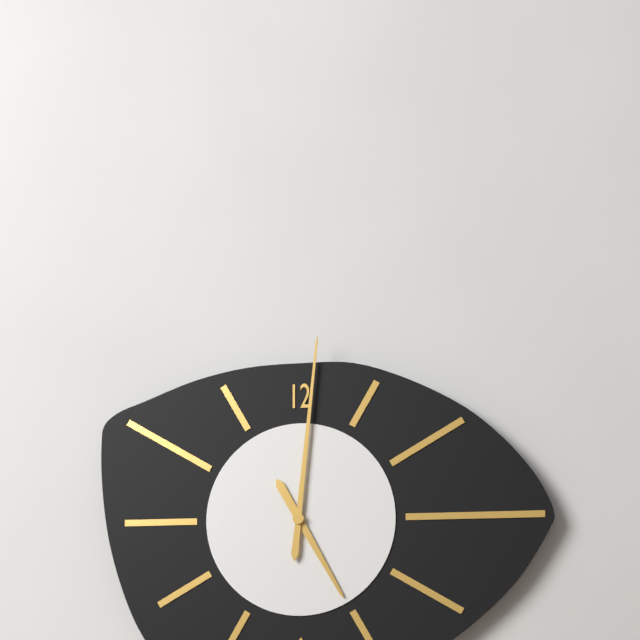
5:01
